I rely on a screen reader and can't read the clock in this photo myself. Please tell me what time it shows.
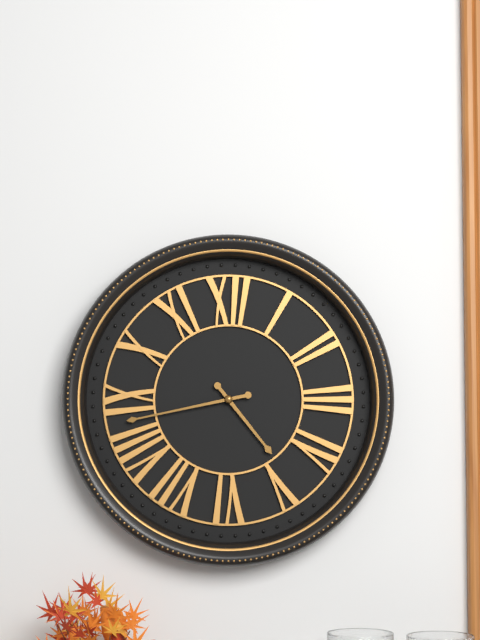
4:43
